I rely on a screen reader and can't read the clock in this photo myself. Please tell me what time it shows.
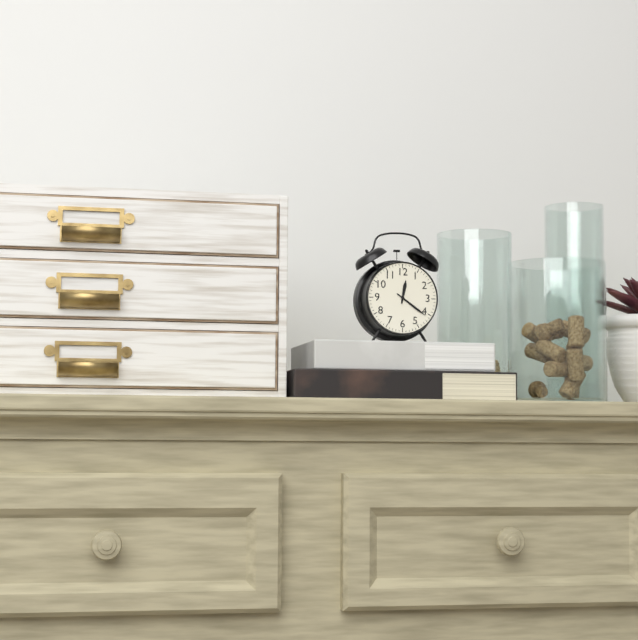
12:21
